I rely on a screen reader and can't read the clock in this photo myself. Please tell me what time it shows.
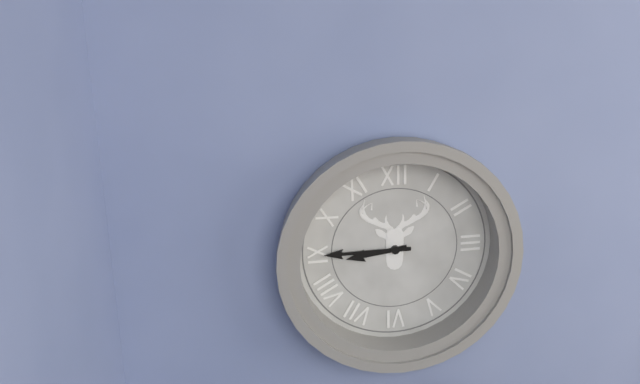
8:45
